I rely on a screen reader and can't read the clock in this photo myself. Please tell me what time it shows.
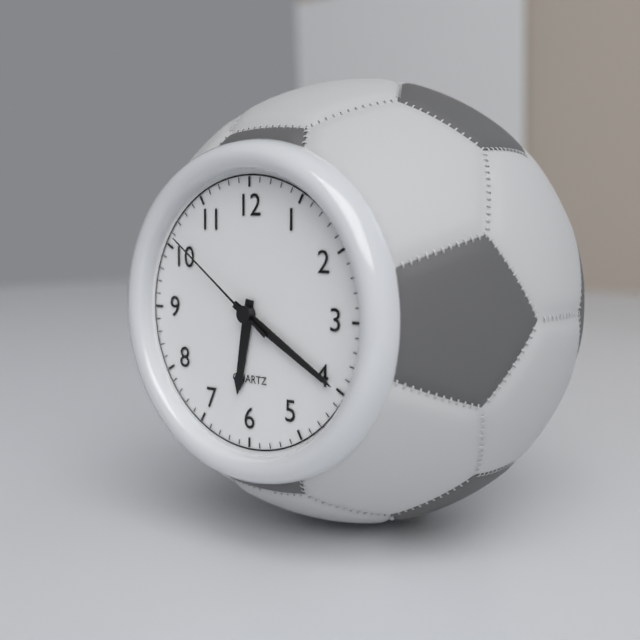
6:20:51
